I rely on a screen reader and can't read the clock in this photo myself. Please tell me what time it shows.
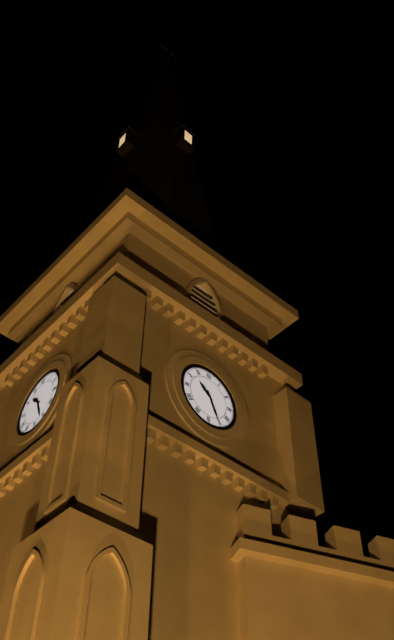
10:26
